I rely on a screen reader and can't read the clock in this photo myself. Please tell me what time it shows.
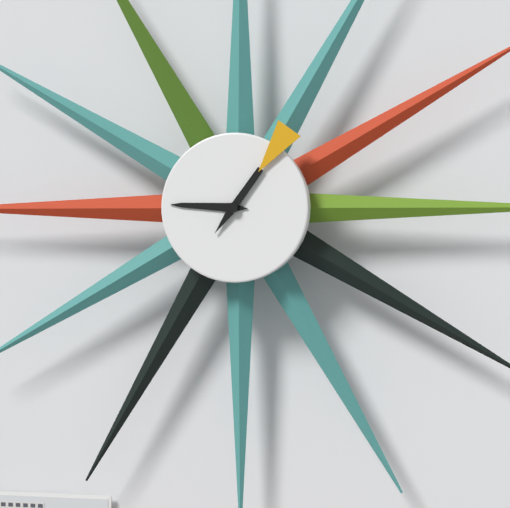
9:06
